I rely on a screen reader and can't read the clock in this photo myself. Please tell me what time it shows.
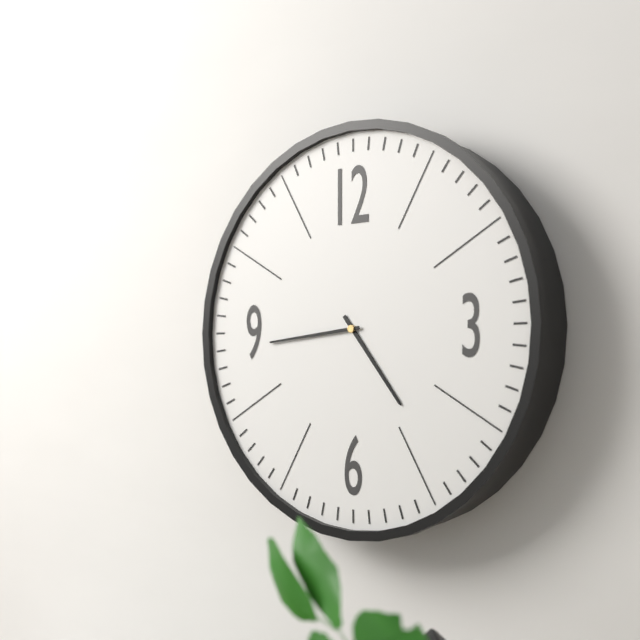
4:44
